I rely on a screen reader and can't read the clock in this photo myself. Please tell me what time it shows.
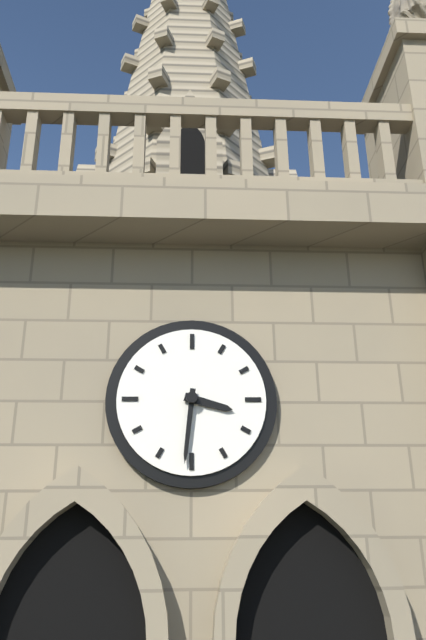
3:31
